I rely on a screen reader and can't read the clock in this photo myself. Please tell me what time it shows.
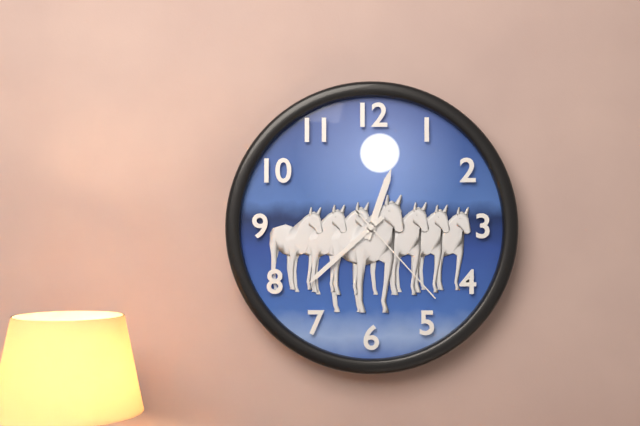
12:38:23
